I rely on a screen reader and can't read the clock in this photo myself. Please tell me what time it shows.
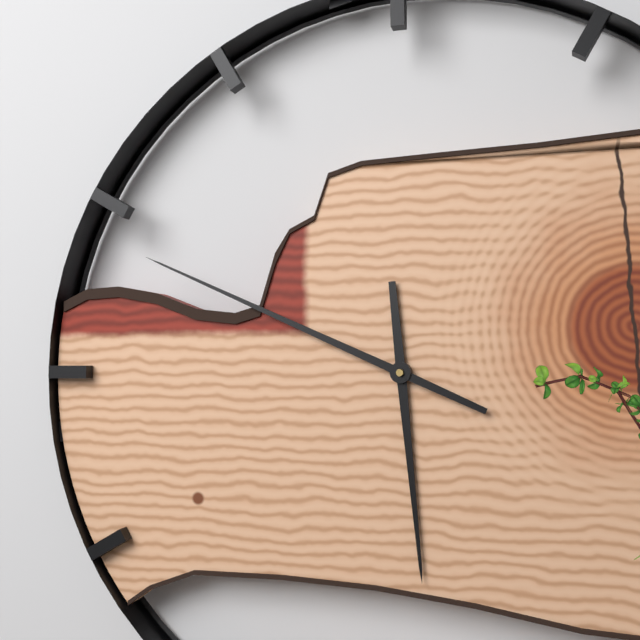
5:49
